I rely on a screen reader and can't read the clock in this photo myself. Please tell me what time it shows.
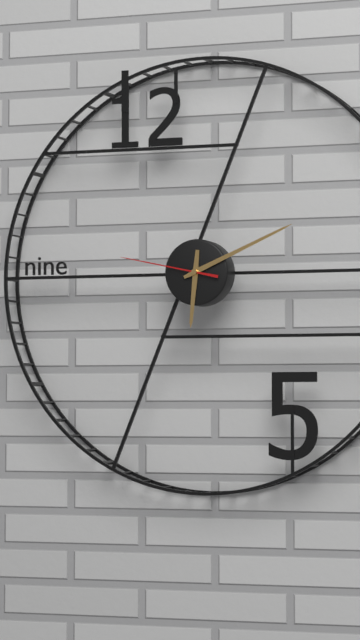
6:11:47
